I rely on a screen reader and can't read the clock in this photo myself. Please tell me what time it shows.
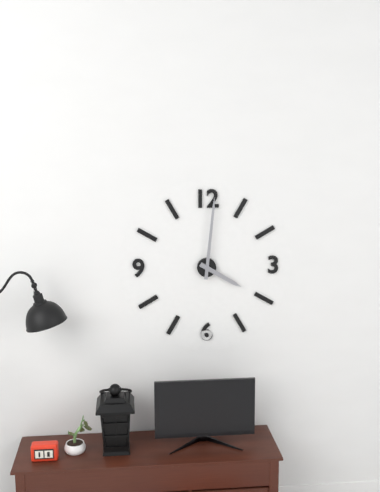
4:01
